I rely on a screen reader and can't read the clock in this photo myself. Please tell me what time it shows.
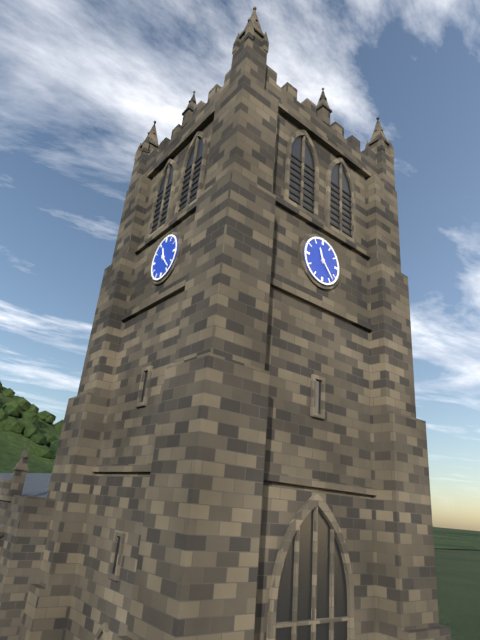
11:23
